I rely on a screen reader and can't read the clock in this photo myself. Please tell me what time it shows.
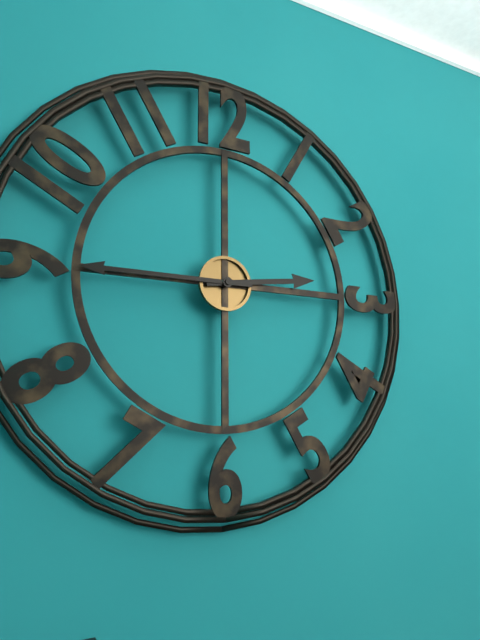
2:45
